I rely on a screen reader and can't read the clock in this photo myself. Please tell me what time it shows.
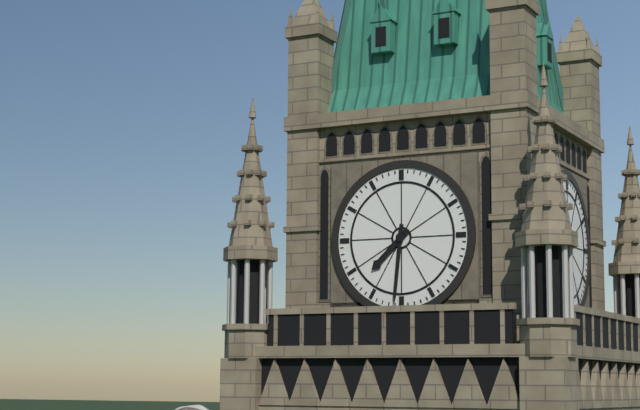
7:31
